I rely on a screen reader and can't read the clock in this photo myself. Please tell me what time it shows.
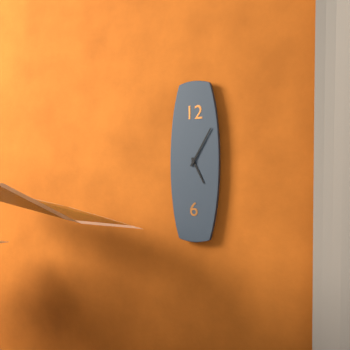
5:05
